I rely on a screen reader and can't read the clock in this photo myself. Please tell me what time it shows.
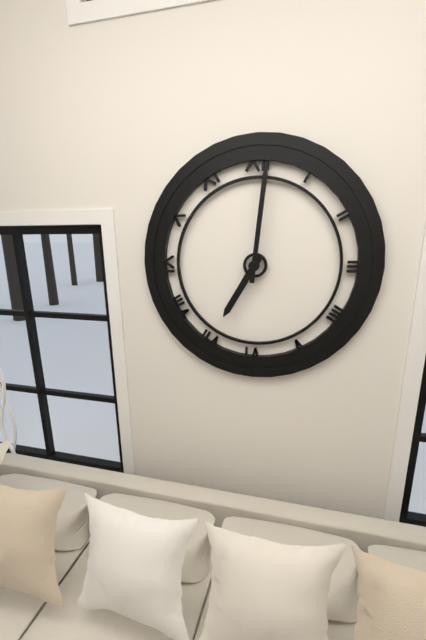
7:01
